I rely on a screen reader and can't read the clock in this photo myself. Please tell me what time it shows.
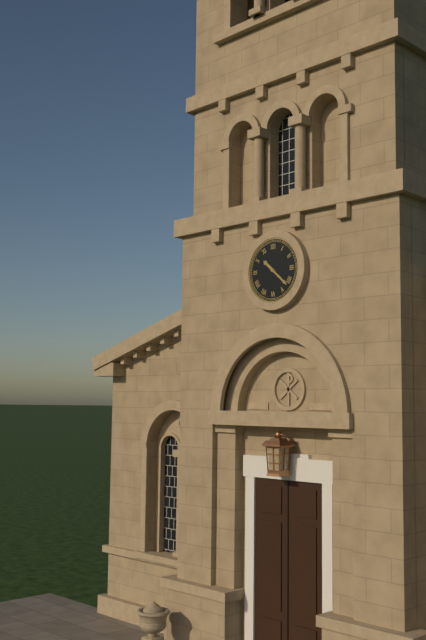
10:22
